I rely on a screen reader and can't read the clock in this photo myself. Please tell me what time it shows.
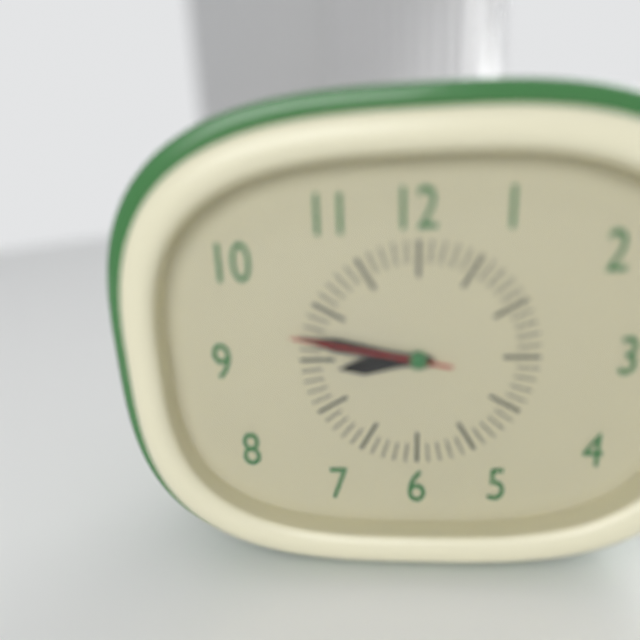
8:47:47
